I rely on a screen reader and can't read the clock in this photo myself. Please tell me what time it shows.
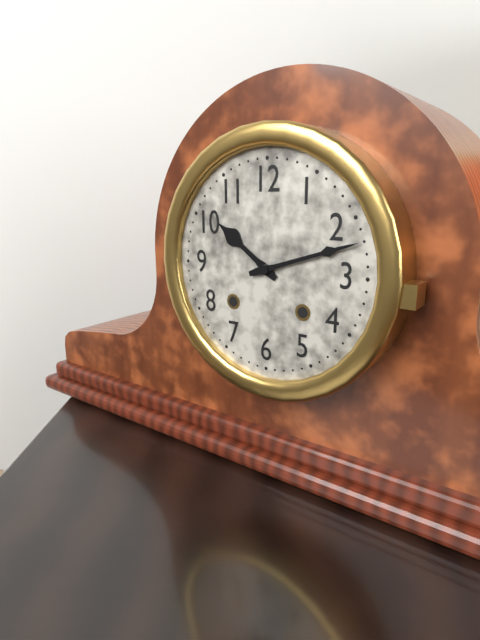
10:12
